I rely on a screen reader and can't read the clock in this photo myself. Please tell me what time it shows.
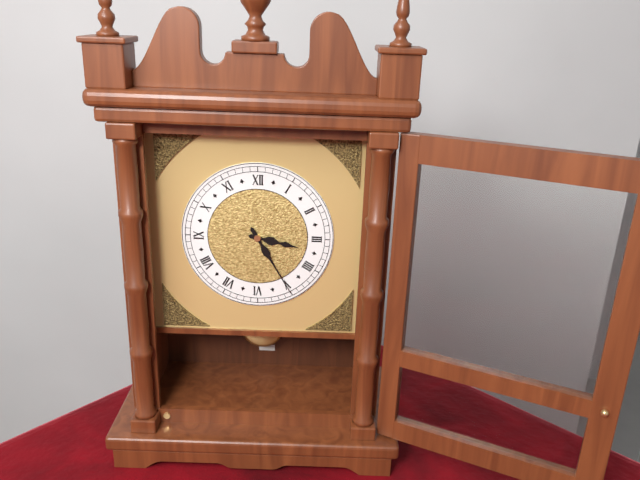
3:25
